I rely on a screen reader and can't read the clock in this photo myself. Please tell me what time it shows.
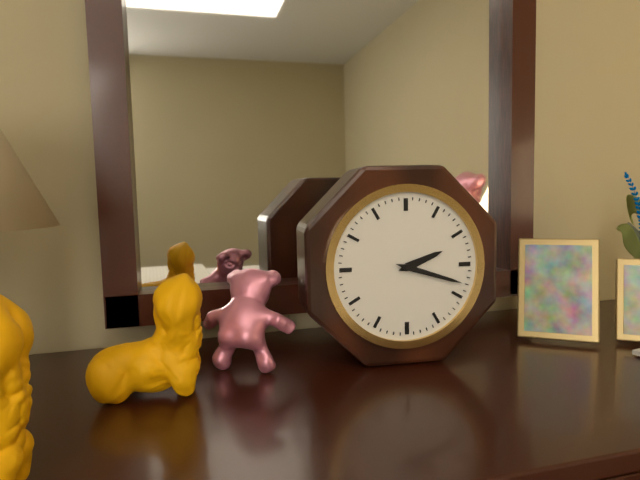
2:18
